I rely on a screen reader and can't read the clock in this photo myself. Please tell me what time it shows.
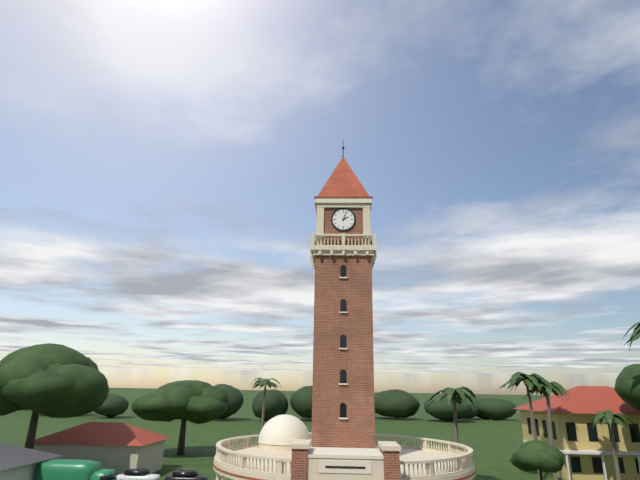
2:03
